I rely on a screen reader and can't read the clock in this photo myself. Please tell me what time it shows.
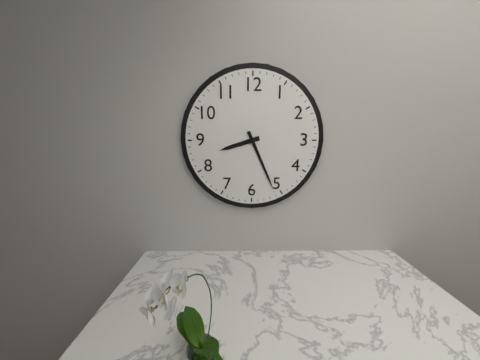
8:26
